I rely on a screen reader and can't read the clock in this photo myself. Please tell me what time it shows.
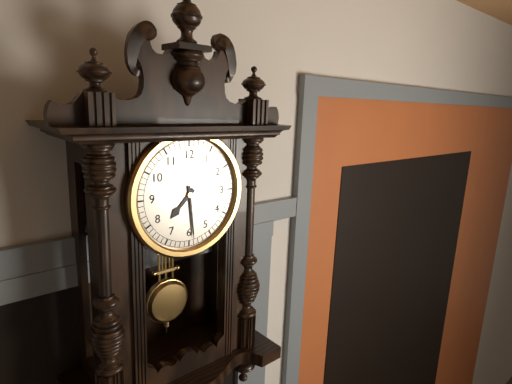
7:29
